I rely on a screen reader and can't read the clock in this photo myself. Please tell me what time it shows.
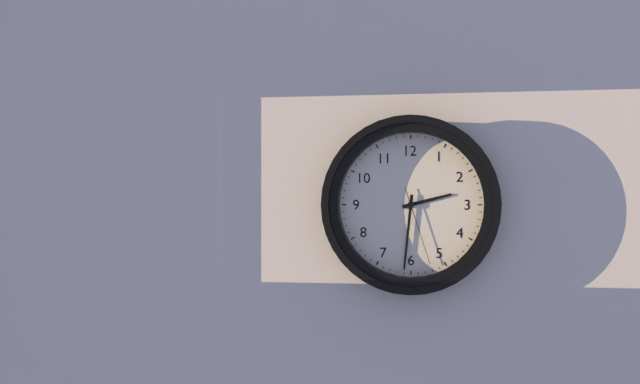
2:31:27
